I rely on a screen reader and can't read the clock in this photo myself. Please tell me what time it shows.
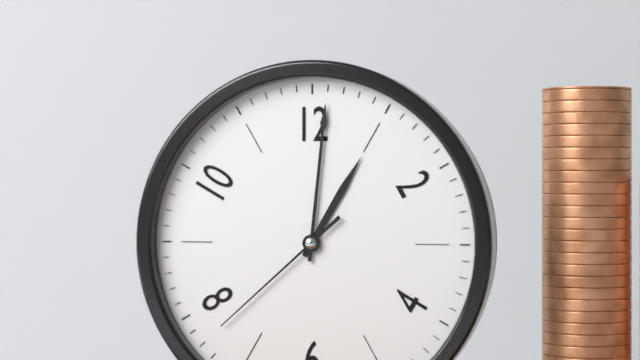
1:01:38
